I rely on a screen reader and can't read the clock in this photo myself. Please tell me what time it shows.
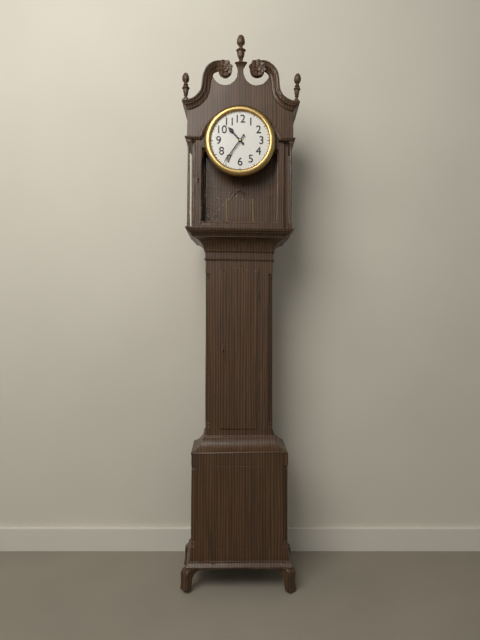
10:36
